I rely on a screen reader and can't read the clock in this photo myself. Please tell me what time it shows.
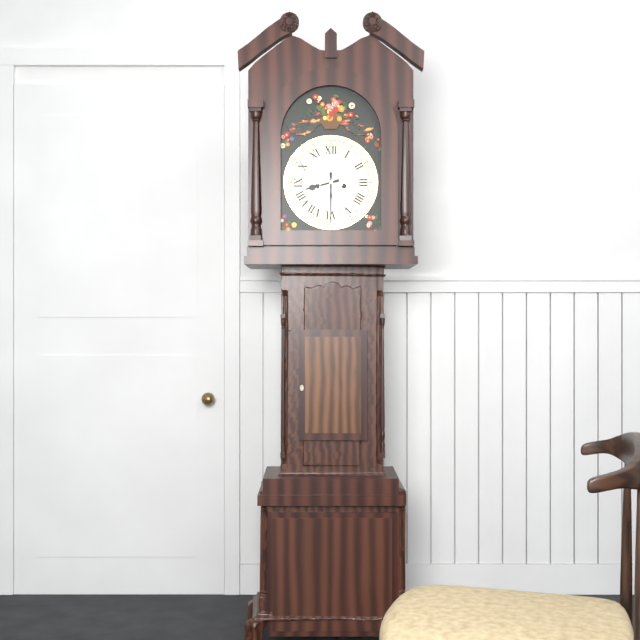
8:30
